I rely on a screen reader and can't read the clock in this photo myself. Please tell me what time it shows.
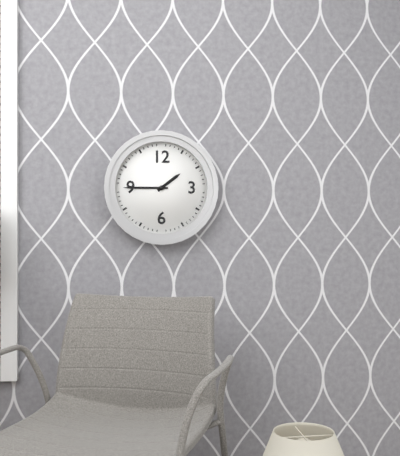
1:45
